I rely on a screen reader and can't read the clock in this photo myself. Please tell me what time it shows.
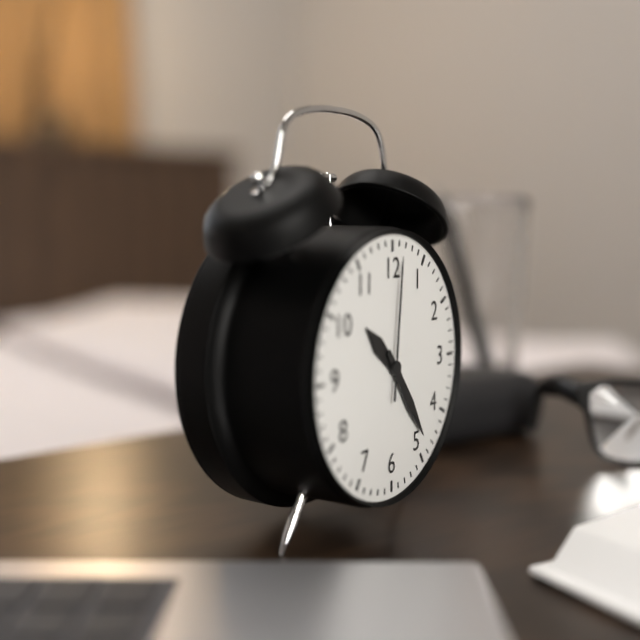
10:24:01
